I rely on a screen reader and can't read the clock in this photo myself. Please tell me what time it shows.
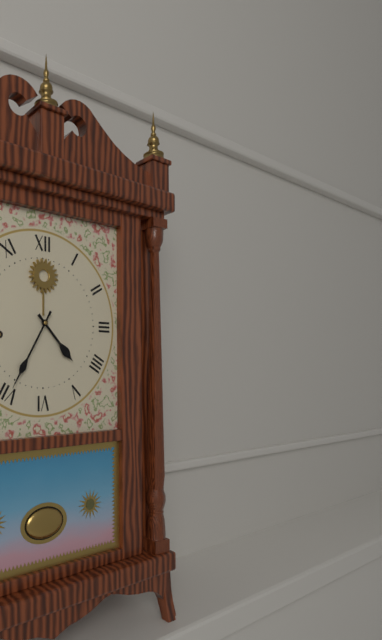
4:35
